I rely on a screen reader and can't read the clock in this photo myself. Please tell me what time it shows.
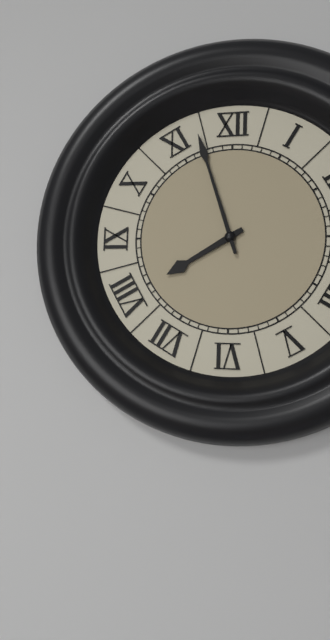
7:57
